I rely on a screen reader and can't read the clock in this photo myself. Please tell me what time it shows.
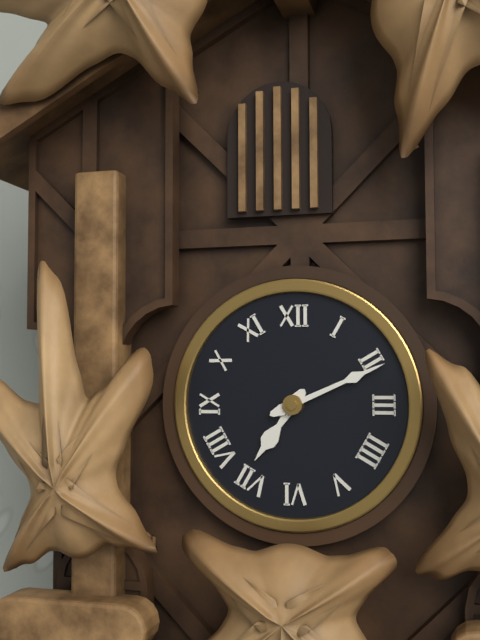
7:11
